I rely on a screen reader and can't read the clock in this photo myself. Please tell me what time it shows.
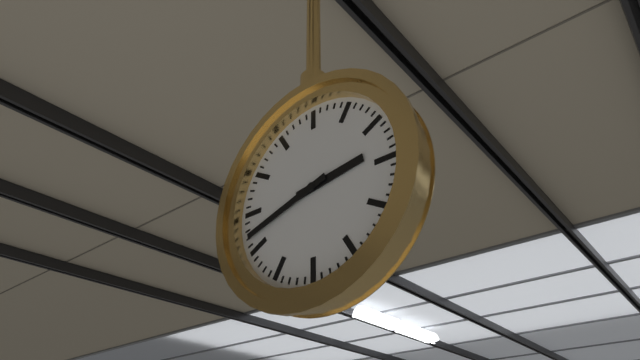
2:42
